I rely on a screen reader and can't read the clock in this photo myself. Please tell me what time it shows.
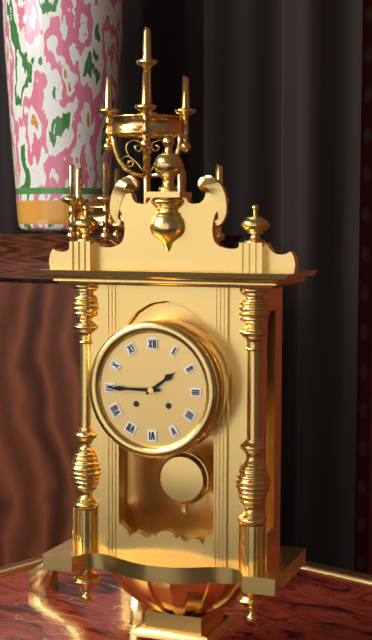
1:45
